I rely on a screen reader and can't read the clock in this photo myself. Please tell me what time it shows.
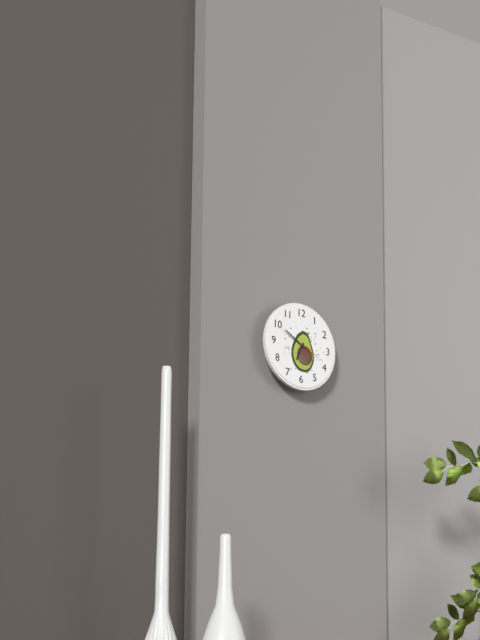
6:50
